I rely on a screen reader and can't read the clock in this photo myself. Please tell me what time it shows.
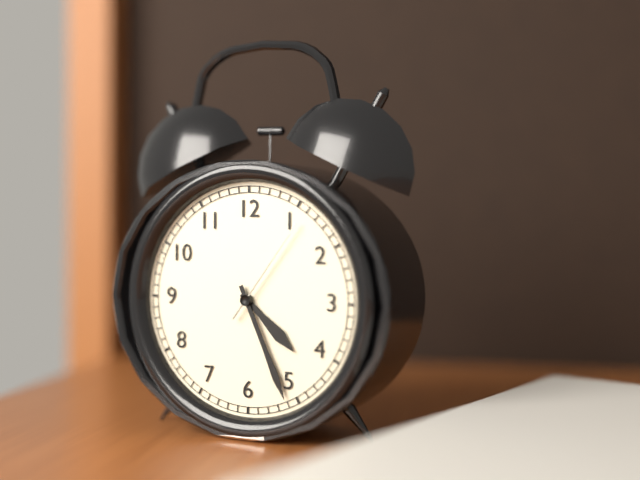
4:26:06
